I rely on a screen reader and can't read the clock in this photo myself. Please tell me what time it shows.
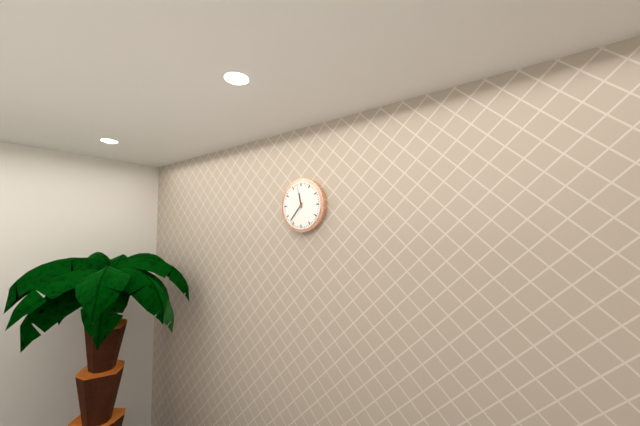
11:37
